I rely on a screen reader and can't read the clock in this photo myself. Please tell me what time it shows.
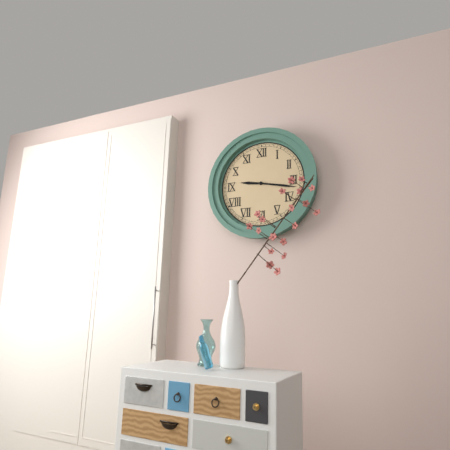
9:17
